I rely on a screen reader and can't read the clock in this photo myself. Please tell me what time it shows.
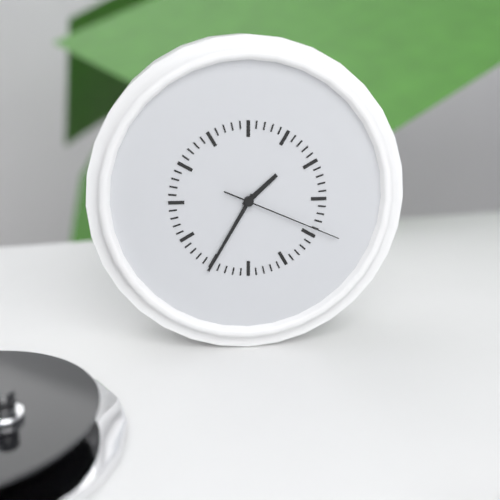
1:35:19
